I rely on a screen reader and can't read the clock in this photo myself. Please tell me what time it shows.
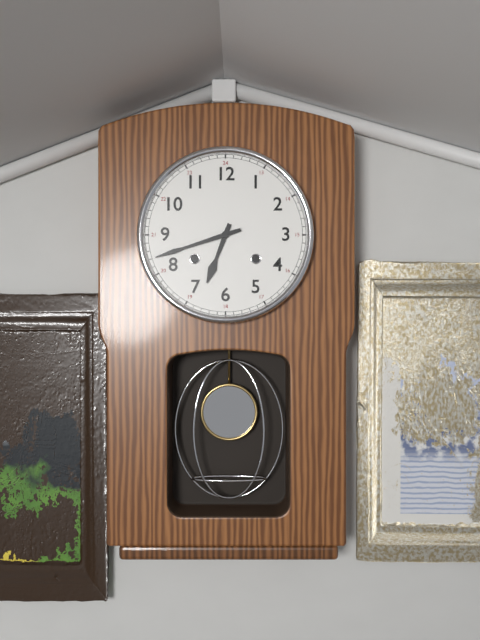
6:42
